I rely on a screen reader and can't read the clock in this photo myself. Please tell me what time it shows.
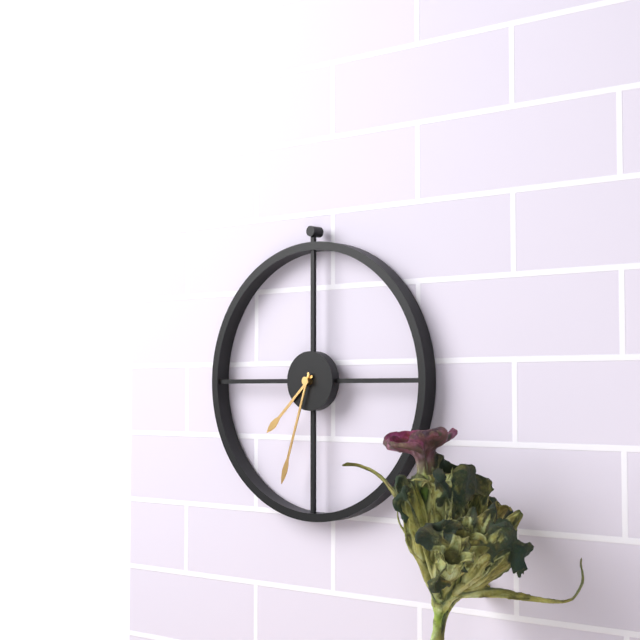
7:33
